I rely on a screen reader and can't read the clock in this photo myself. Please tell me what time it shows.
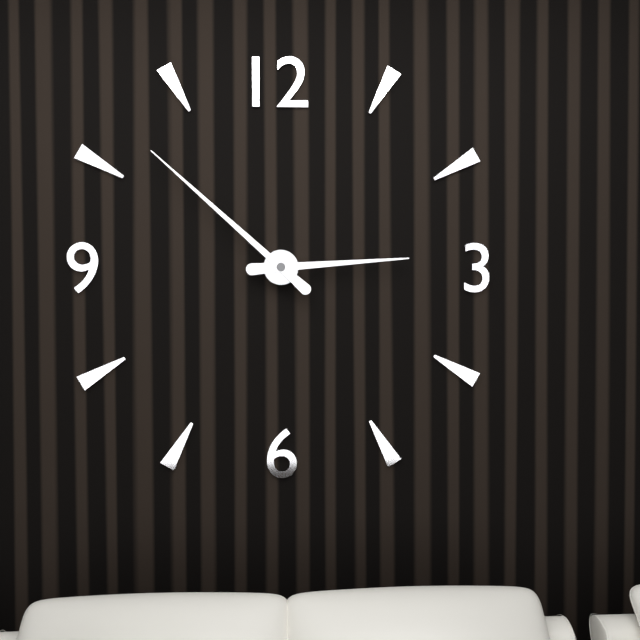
2:52
